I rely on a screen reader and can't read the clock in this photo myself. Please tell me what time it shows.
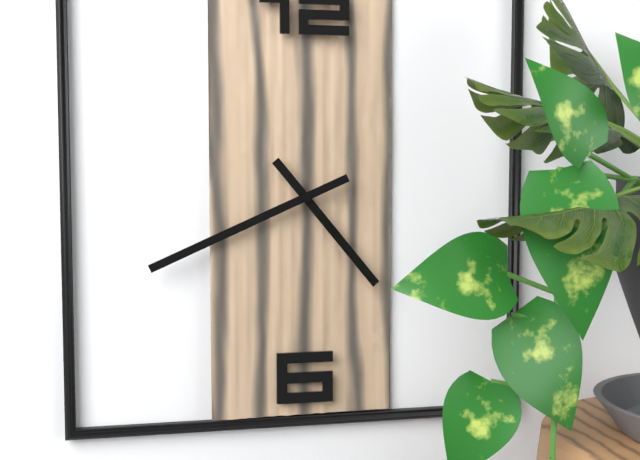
4:41
